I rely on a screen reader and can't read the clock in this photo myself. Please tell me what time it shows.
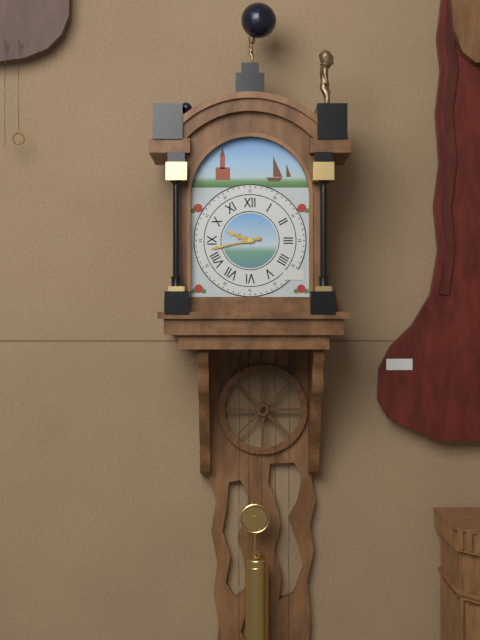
9:43
